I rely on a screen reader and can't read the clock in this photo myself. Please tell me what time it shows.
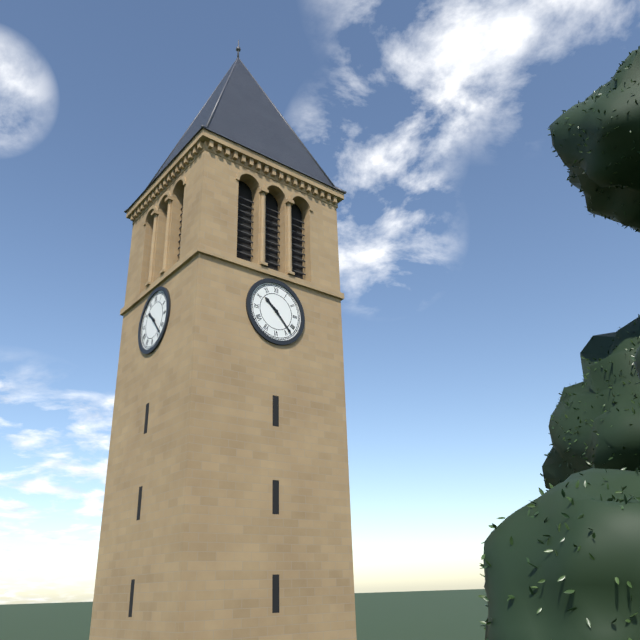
10:23
